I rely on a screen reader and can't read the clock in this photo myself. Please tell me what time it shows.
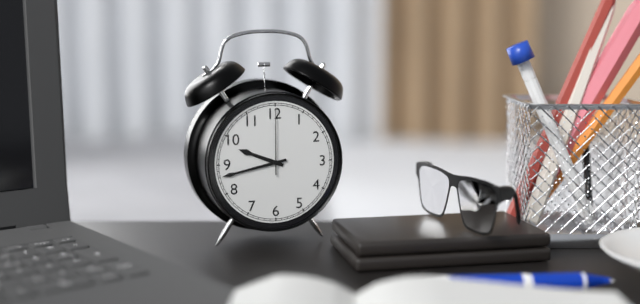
9:43:00
